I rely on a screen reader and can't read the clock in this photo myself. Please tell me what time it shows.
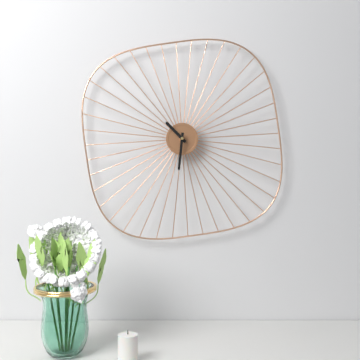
10:31
